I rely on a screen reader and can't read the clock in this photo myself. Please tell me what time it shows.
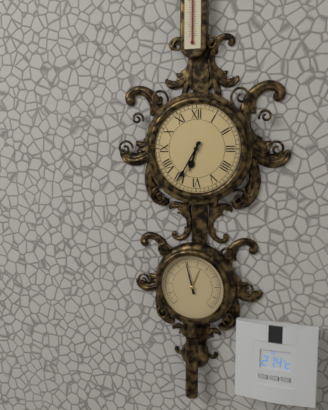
6:35
